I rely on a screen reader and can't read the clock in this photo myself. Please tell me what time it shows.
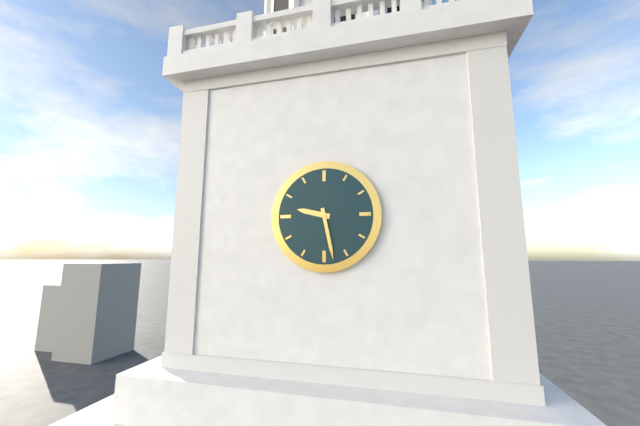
9:28
